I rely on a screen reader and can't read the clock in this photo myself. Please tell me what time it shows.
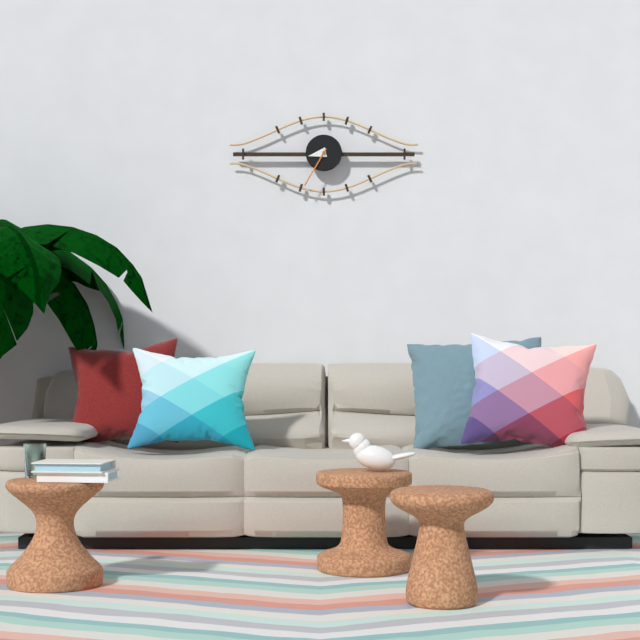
8:35
